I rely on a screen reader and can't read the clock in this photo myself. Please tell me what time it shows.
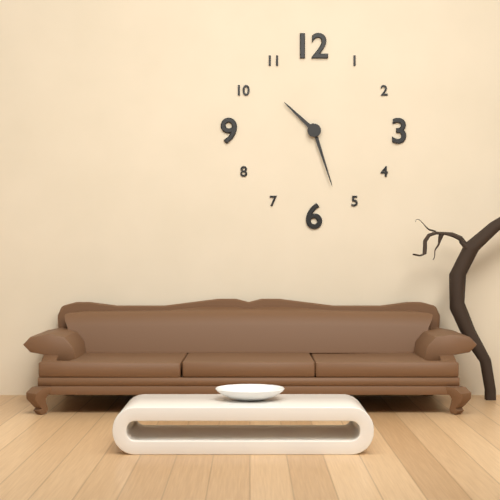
10:27
